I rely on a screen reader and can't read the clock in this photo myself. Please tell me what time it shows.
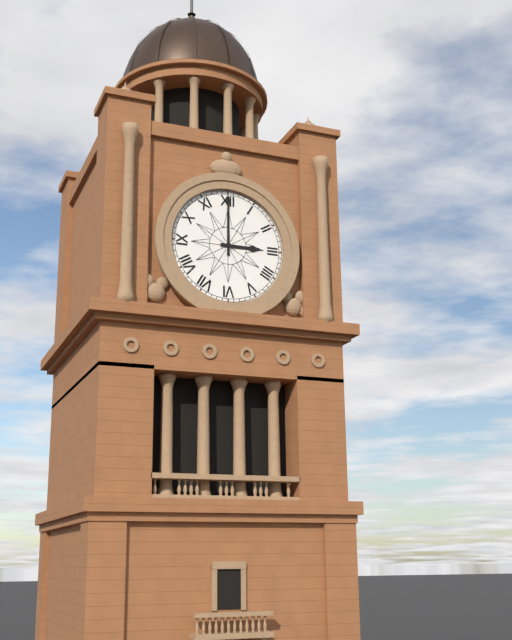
3:00
